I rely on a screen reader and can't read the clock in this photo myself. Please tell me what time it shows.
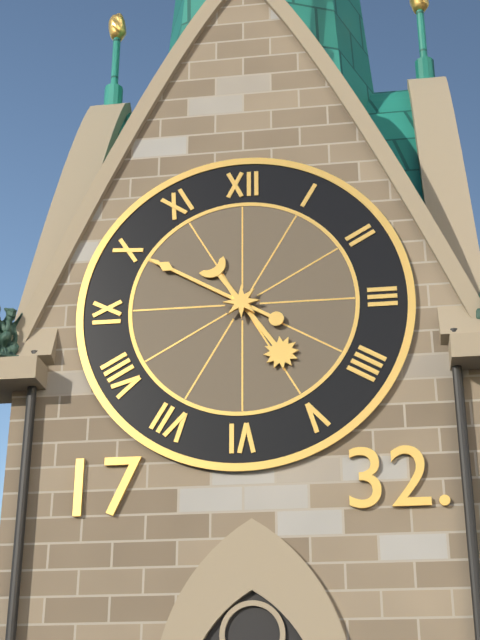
4:50
